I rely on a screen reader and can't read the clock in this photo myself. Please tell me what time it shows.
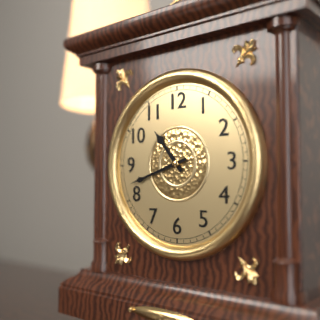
10:42
